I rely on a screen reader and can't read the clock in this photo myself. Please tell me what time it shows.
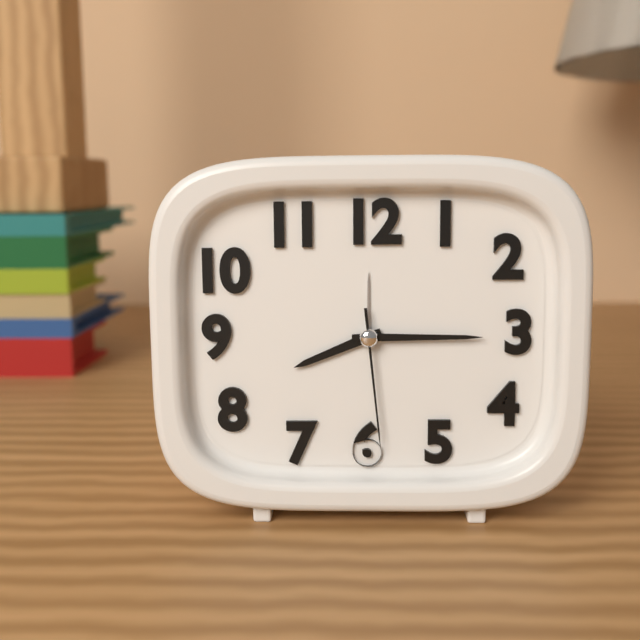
8:15:29
